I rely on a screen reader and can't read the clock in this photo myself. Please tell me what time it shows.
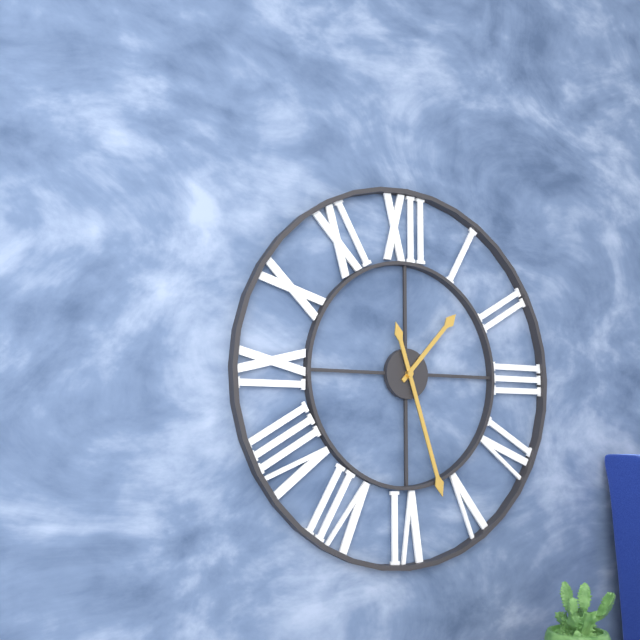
1:27
